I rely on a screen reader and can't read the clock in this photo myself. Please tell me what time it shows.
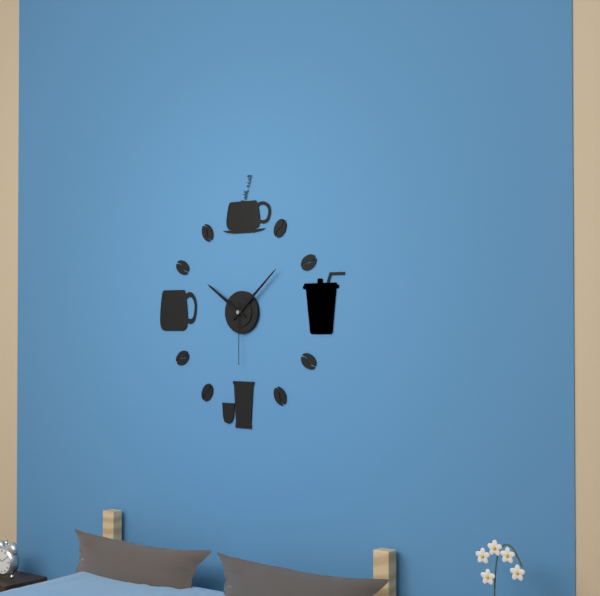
10:08:30
